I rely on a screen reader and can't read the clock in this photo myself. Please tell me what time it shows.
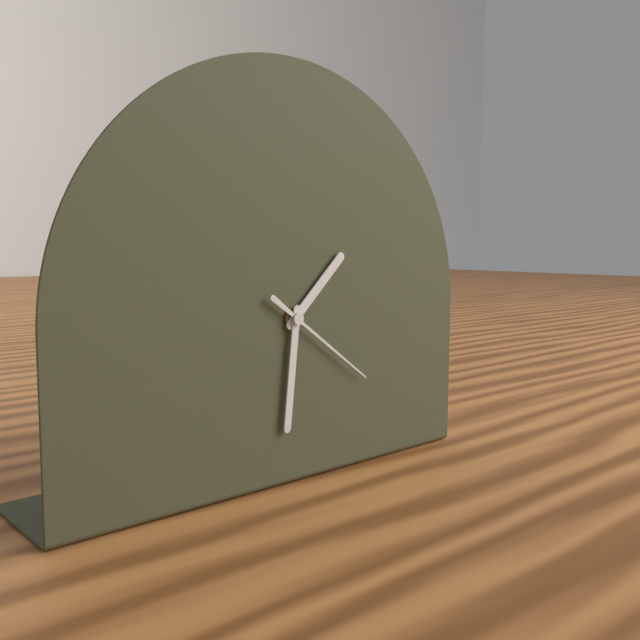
1:31:21
